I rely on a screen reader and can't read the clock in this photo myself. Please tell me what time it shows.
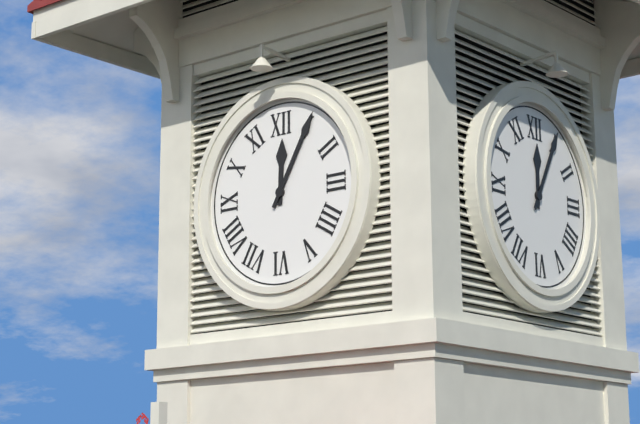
12:05
